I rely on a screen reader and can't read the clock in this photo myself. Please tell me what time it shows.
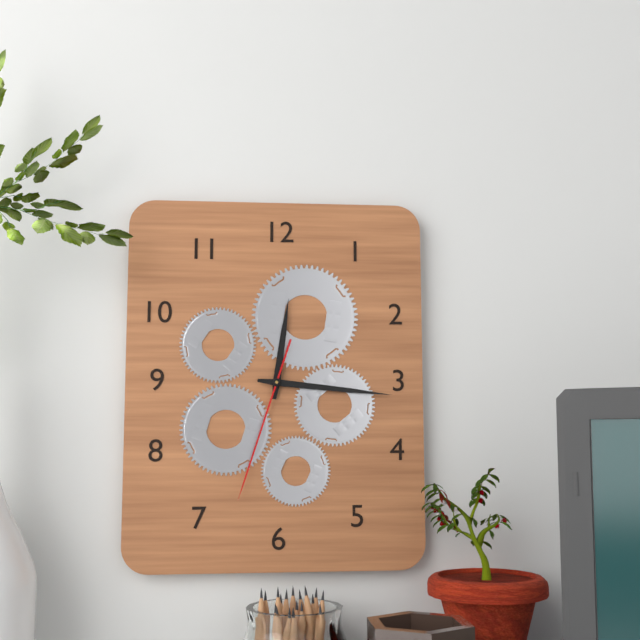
12:16:33
